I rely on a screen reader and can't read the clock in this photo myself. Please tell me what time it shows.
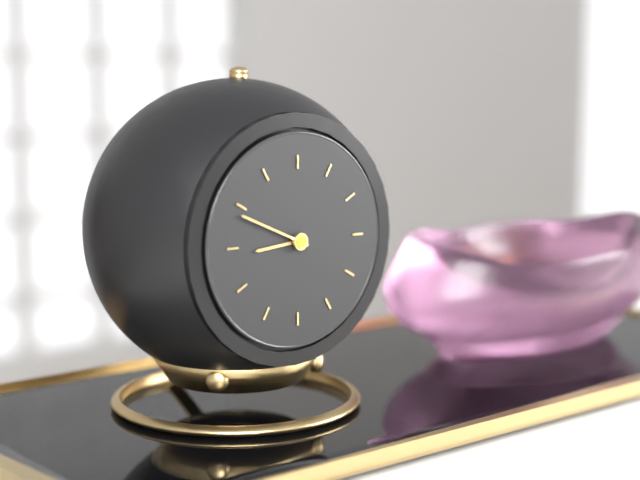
8:49
